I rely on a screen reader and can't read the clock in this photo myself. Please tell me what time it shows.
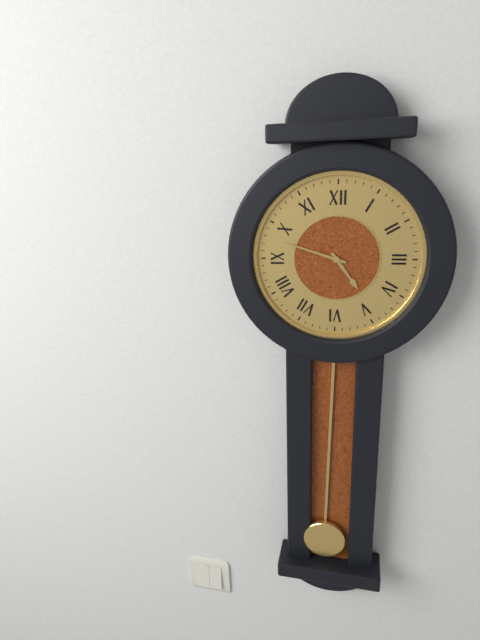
4:48
